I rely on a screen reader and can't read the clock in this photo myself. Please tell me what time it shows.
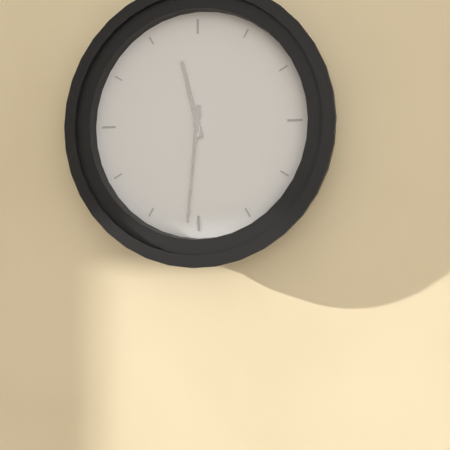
11:31
